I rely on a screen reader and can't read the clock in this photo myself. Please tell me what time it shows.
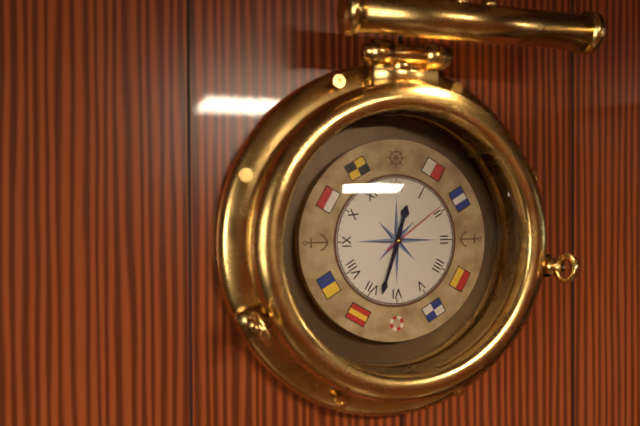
12:33:09
